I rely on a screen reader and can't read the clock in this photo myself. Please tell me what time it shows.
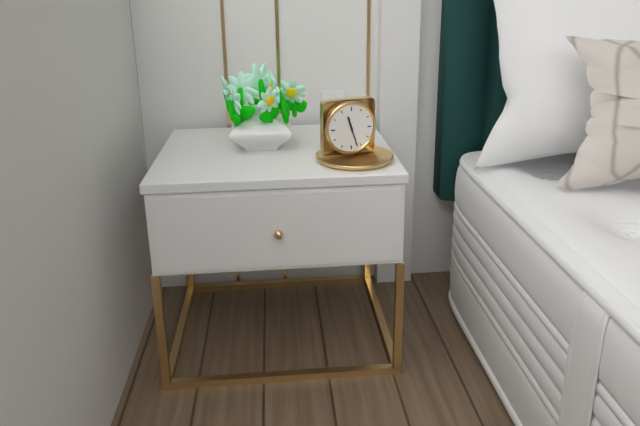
11:27
